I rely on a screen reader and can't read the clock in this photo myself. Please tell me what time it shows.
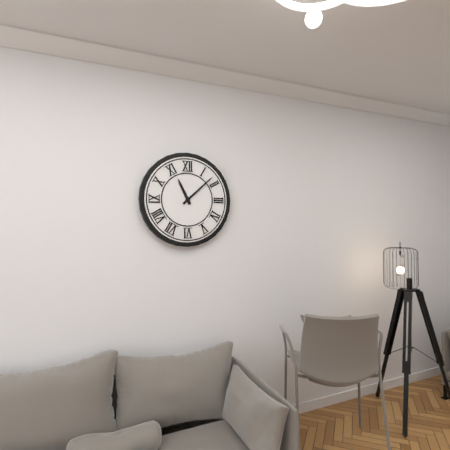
11:08
